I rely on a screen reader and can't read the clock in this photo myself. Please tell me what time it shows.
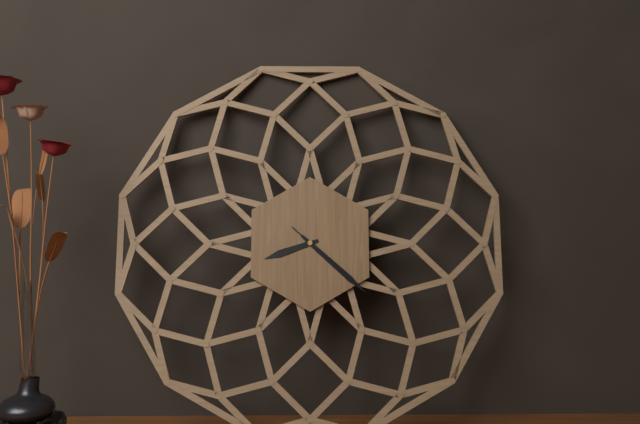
8:22:22
